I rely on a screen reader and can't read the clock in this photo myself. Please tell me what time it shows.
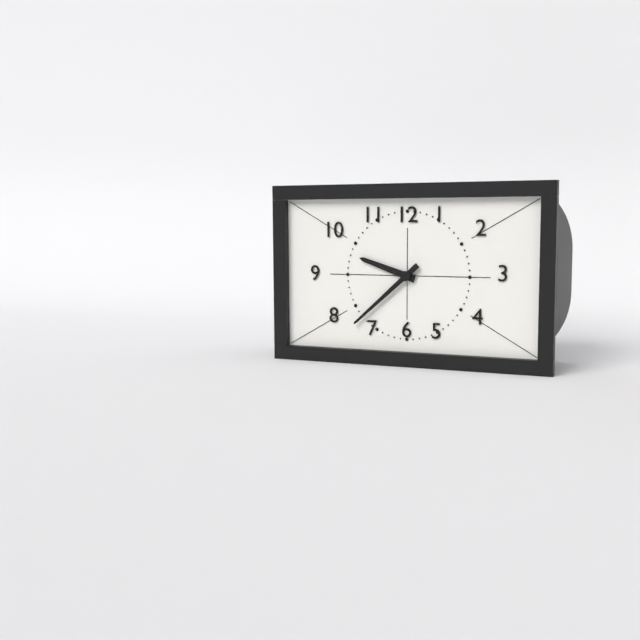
9:38
